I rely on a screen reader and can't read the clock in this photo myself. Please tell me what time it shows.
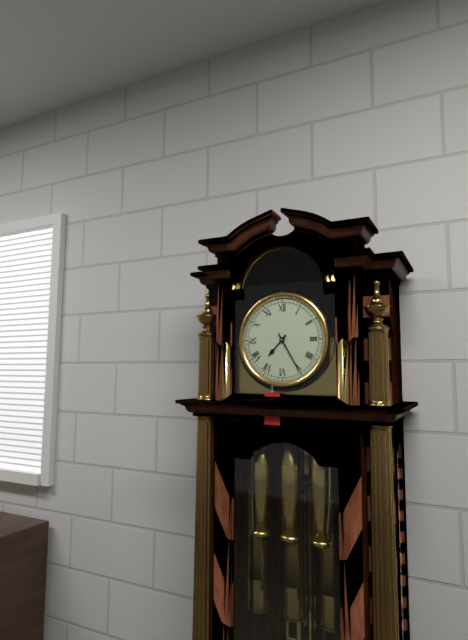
7:25
